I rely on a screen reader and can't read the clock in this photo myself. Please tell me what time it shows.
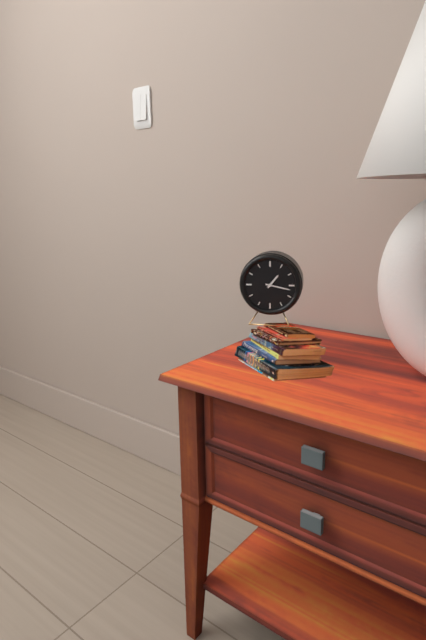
1:17
